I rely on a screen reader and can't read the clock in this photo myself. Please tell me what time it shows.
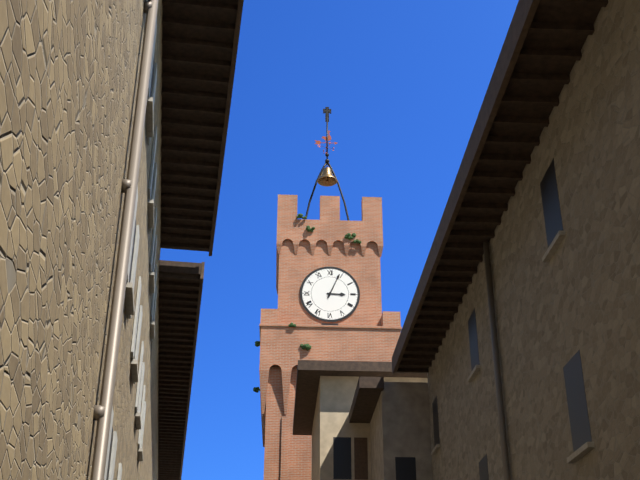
3:04
